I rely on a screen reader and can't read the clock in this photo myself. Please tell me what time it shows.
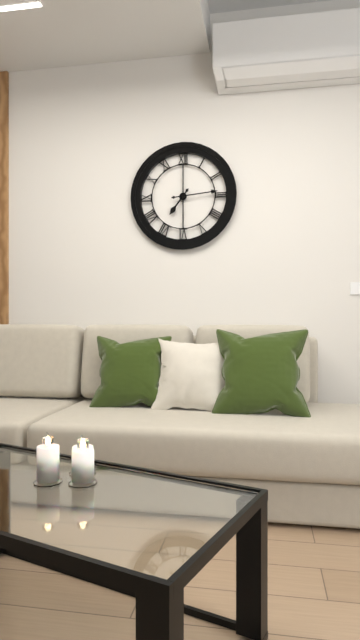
7:14
